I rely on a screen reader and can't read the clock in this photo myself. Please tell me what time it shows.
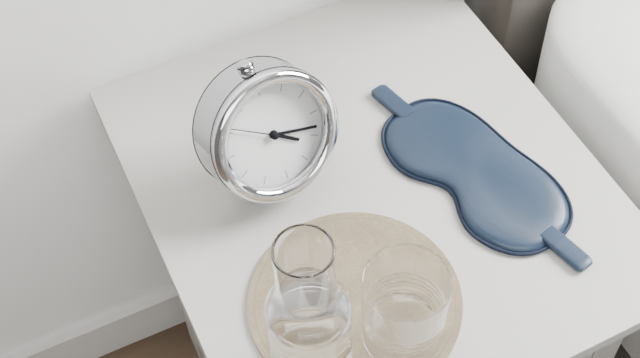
4:18:51
